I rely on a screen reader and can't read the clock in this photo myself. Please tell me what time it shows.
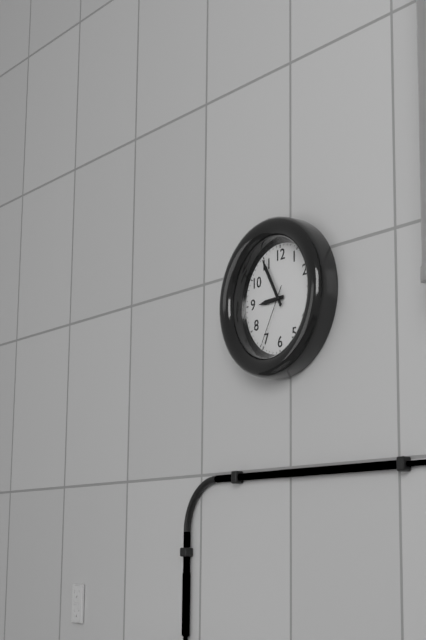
8:55:35
